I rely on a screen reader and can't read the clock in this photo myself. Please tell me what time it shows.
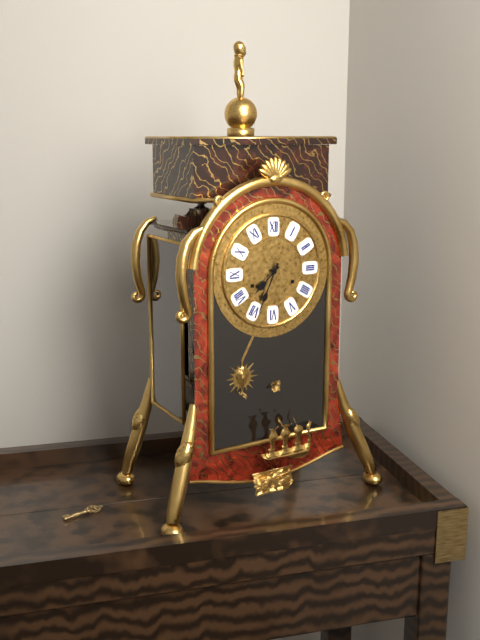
7:34
